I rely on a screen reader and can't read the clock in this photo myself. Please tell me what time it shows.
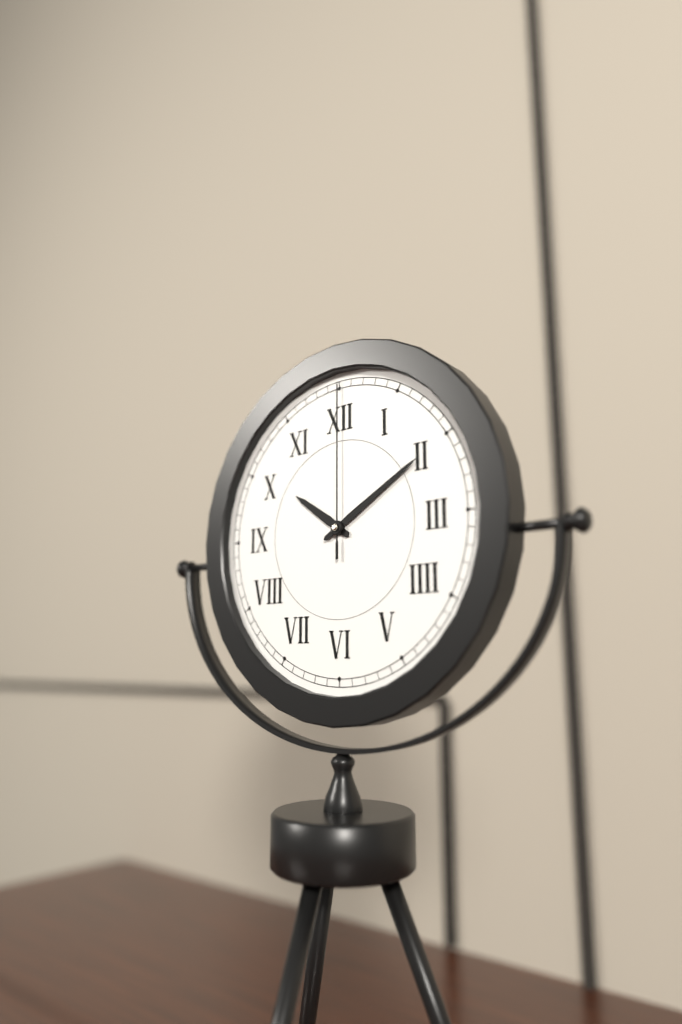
10:10:00
